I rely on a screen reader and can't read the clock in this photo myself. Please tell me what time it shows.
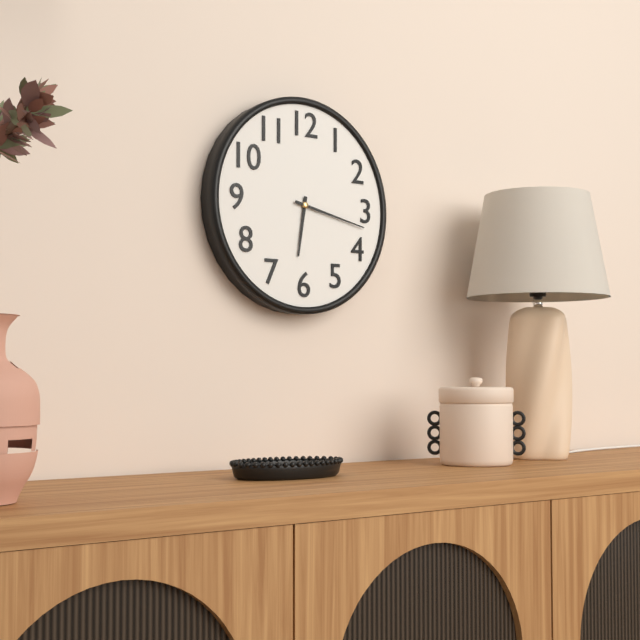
6:17
